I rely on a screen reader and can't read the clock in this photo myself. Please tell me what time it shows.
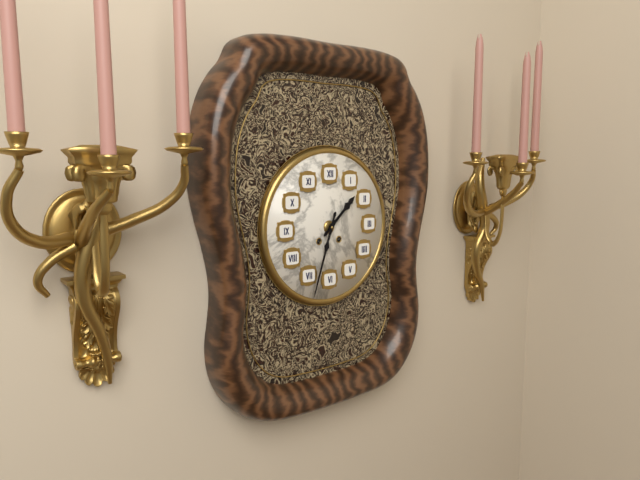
1:33
